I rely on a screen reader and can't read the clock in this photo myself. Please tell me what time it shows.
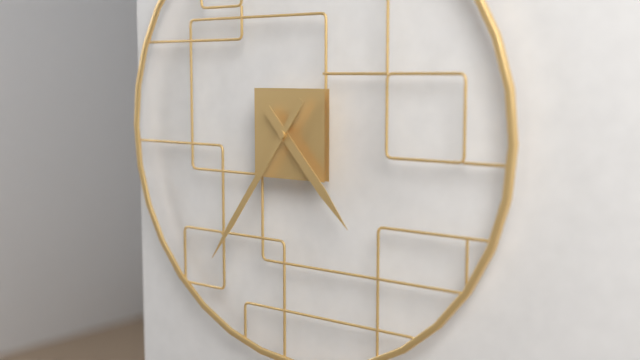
4:36
